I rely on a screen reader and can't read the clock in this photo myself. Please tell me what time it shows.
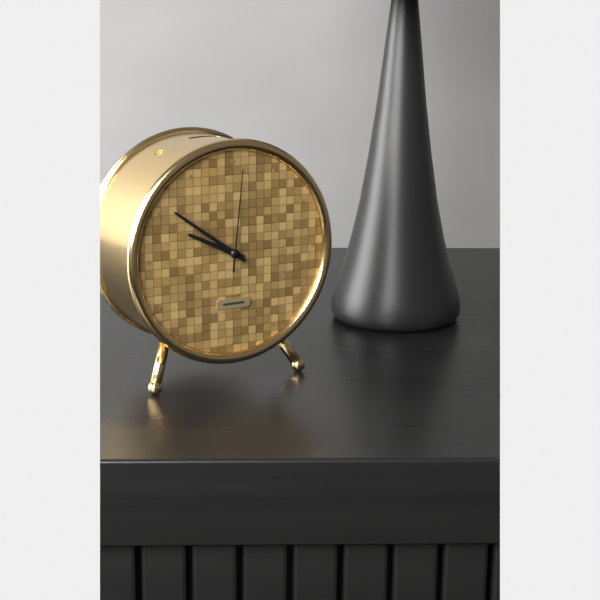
9:51:01
